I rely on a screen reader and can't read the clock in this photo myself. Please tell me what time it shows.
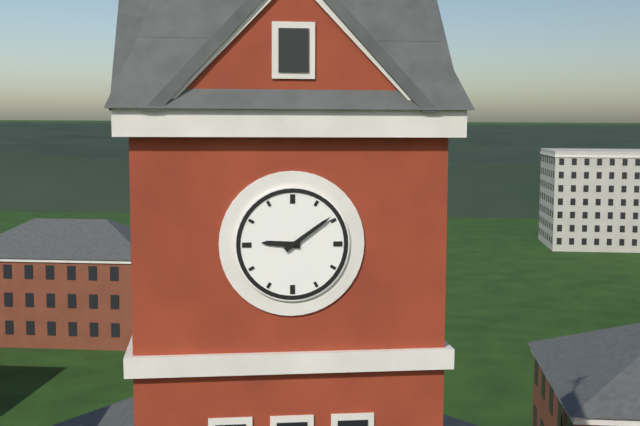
9:09
